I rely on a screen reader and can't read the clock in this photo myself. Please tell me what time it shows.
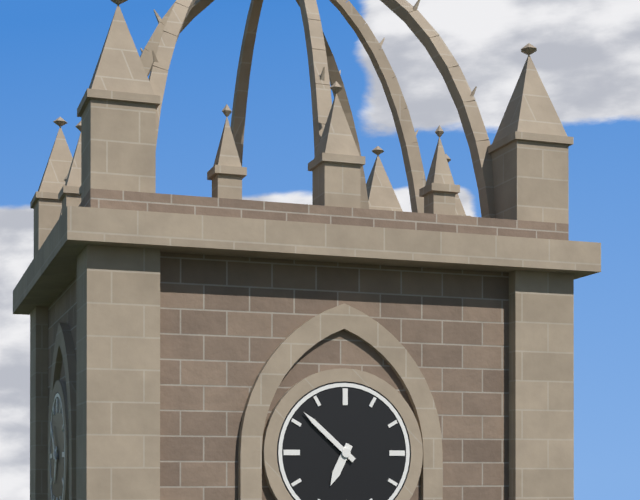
6:52
